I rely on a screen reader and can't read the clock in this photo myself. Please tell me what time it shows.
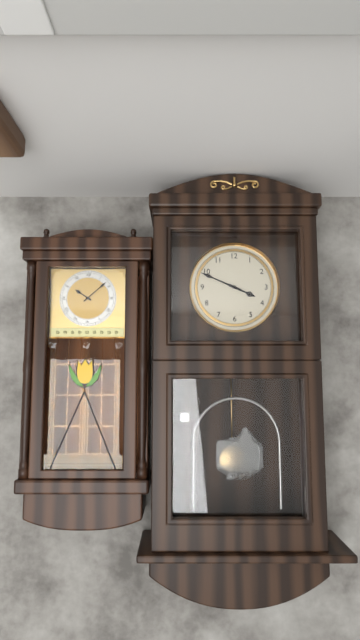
3:49
